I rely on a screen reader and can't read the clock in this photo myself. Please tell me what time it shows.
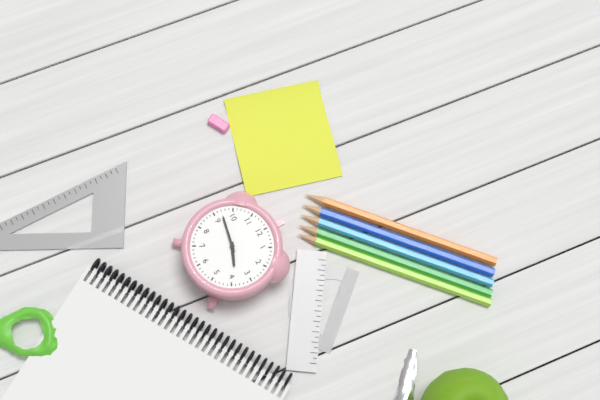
3:47
